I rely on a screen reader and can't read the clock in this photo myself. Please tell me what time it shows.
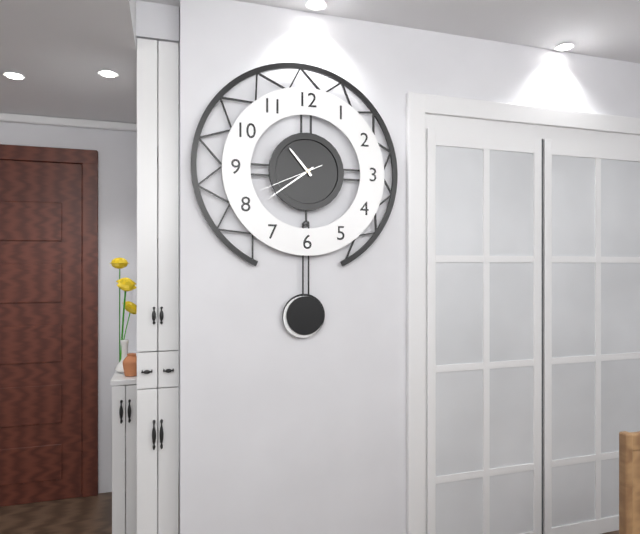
10:39:41
